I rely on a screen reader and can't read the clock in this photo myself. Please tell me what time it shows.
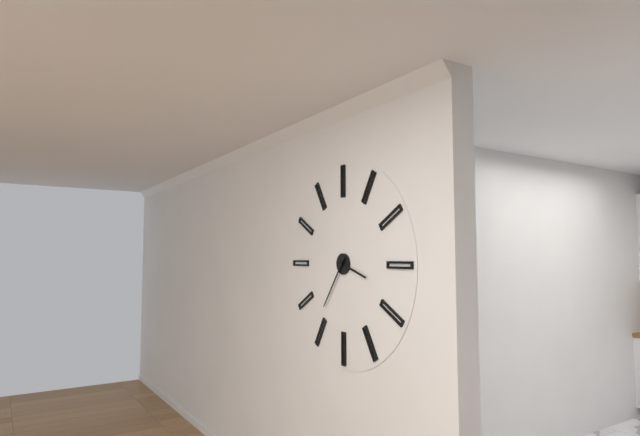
3:36
